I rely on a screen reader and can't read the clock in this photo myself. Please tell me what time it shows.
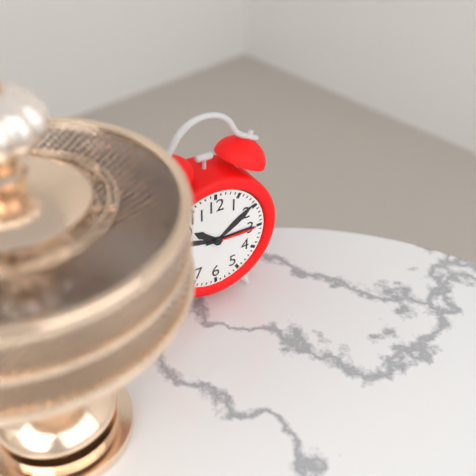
10:15
